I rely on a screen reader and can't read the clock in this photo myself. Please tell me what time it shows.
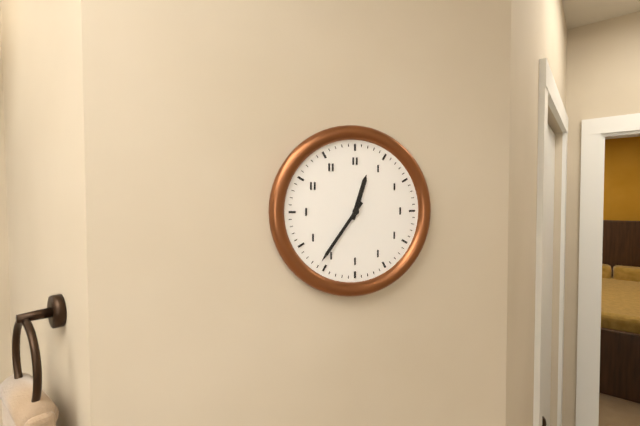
12:36
